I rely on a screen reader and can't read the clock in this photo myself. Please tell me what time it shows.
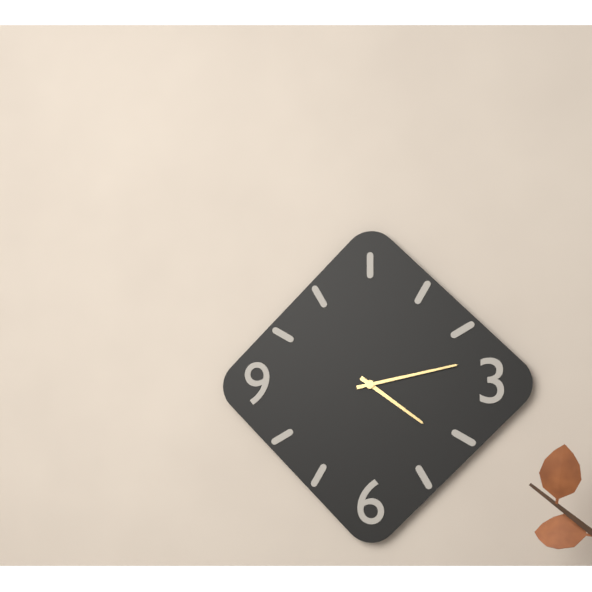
4:13
